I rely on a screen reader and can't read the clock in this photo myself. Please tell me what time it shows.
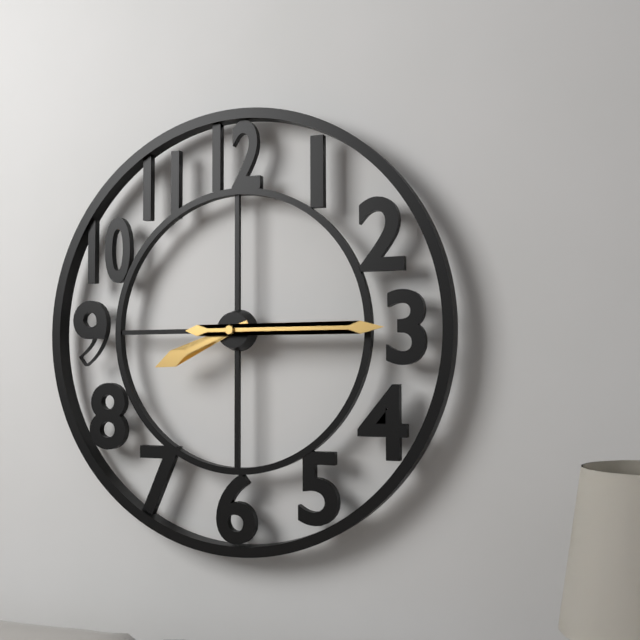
8:15
